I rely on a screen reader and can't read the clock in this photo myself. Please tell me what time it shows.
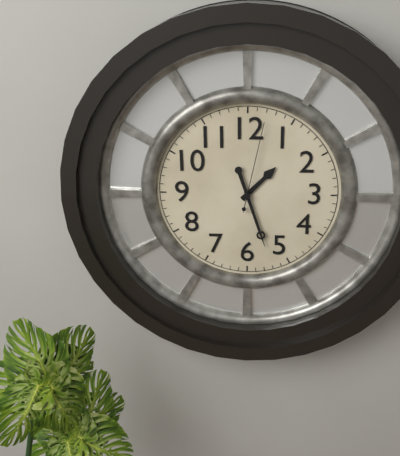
1:27:02
